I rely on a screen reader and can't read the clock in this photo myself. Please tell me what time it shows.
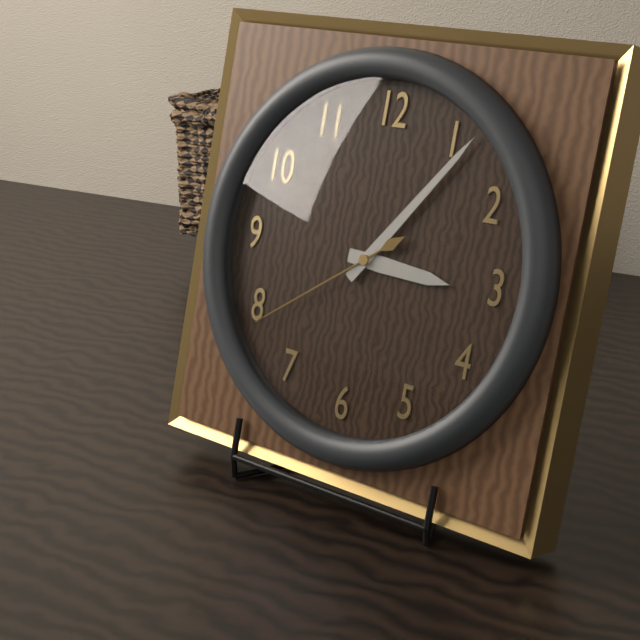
3:06:39
